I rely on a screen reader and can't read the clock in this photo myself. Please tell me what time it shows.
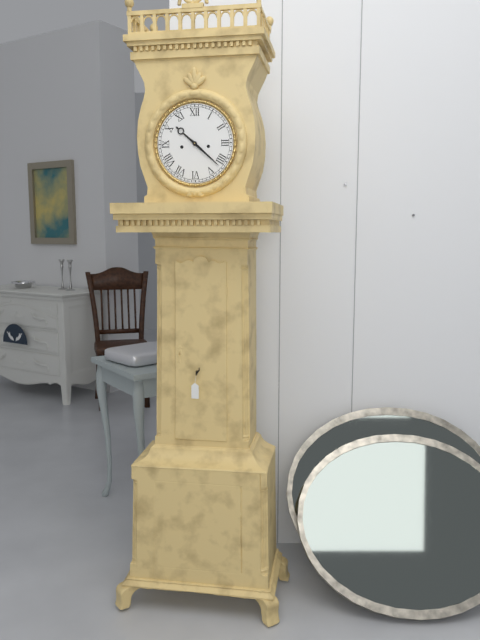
10:22
